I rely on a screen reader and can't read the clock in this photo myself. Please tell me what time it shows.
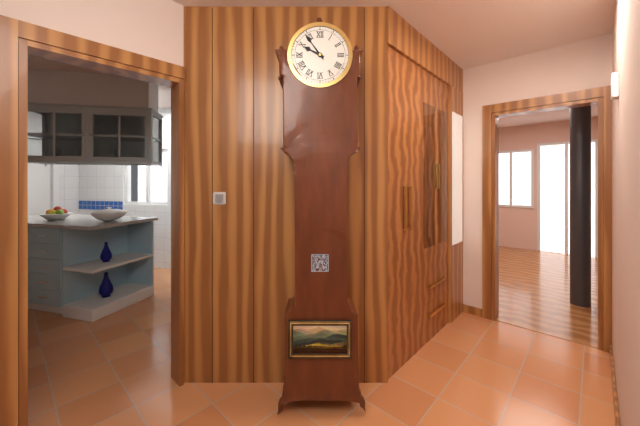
9:54
